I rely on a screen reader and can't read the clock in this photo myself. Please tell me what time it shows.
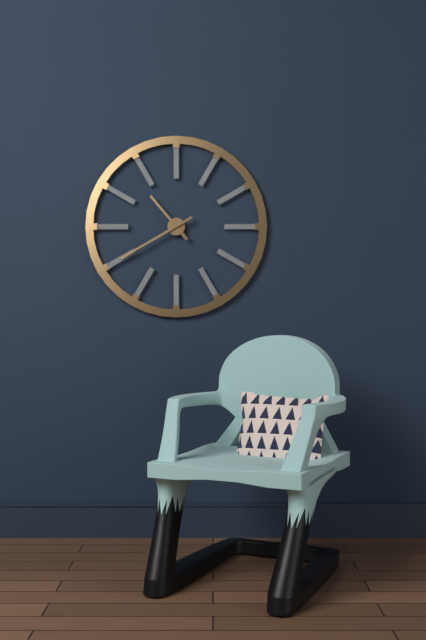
10:40
